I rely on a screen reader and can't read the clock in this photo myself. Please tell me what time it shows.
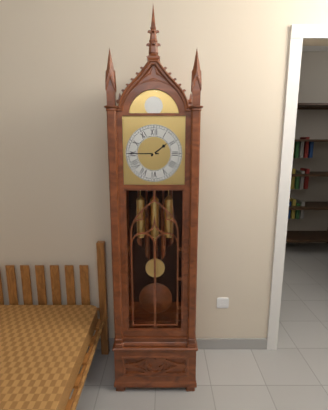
1:45
